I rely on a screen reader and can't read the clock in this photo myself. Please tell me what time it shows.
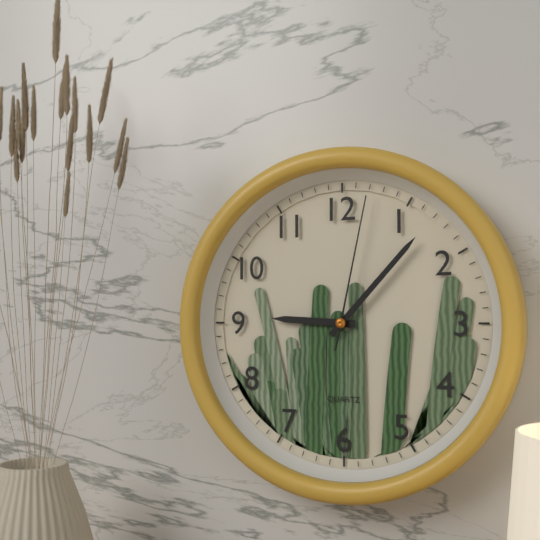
9:07:02
